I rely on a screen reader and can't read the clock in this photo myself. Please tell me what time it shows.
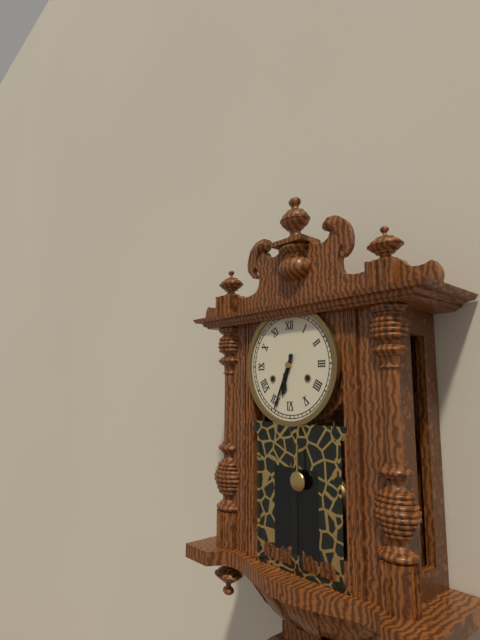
6:34
